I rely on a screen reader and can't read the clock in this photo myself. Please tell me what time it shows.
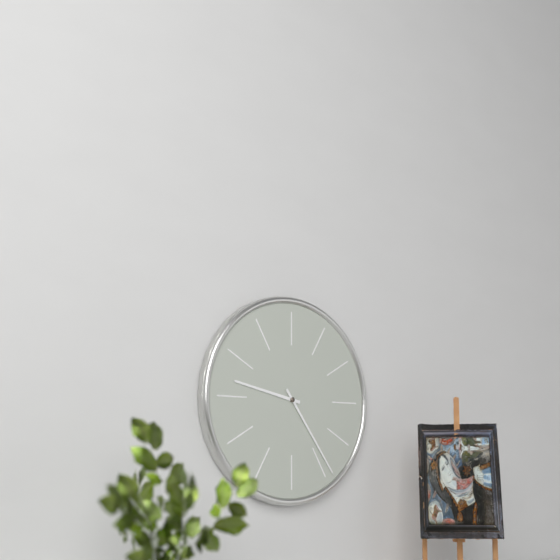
9:24
